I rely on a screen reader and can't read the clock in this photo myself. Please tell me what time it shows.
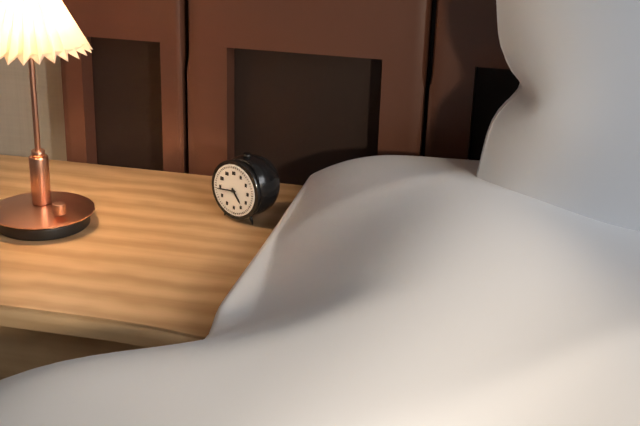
4:44
